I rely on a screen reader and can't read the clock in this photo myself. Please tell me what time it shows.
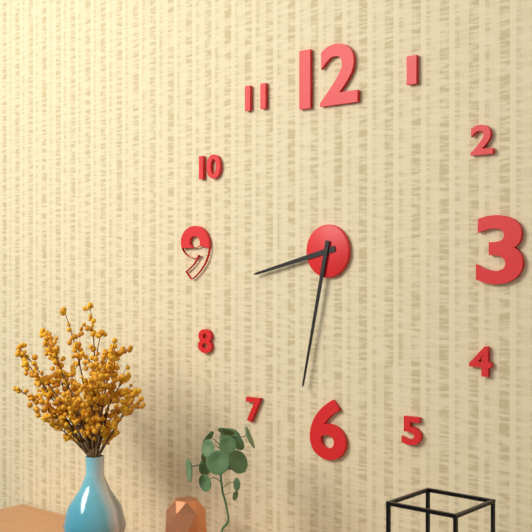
8:32
